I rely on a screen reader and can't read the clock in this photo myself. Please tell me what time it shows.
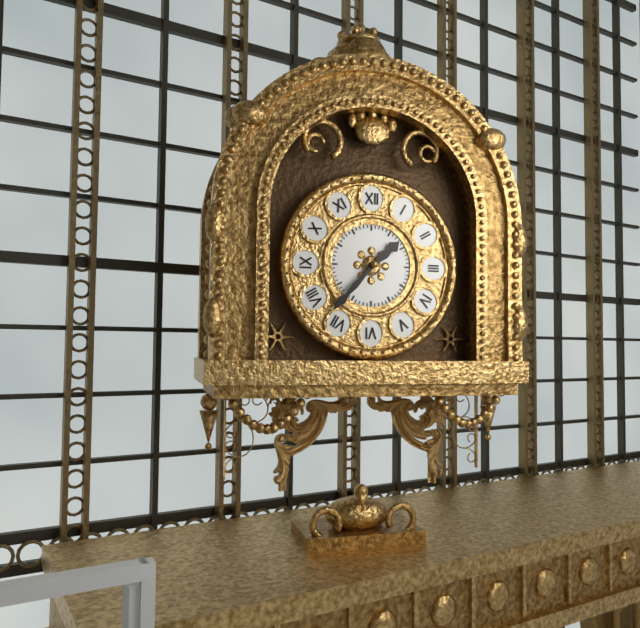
1:37
